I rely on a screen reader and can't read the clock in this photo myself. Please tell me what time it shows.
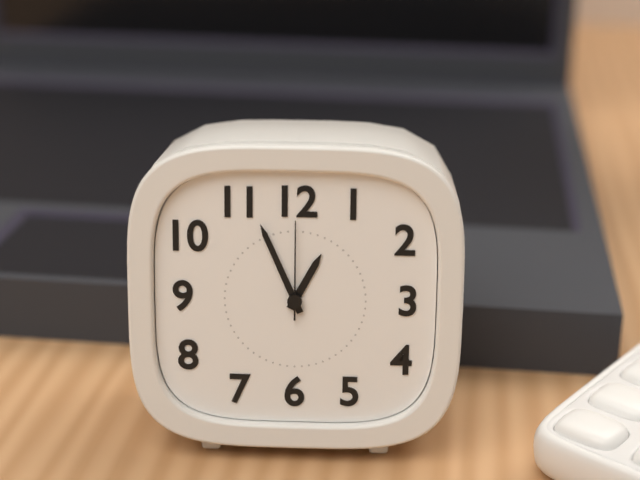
12:56:00
